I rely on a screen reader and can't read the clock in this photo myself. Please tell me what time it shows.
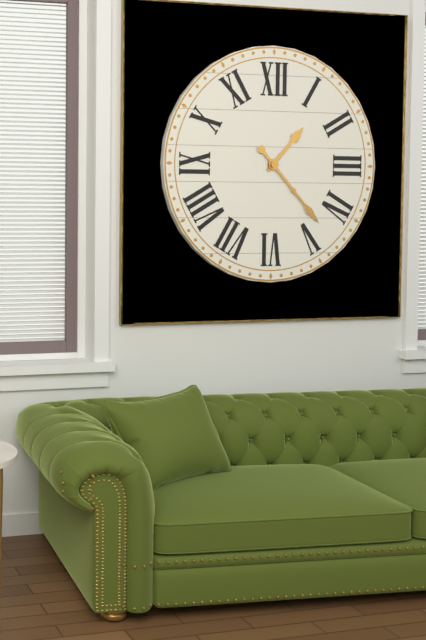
1:23
